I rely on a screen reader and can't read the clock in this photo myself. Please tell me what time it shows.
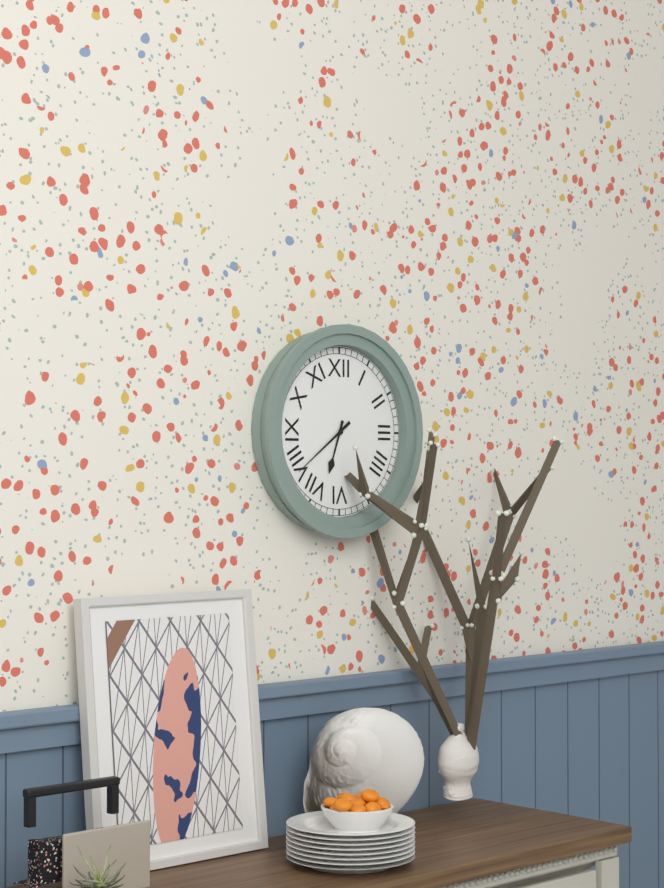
6:39
